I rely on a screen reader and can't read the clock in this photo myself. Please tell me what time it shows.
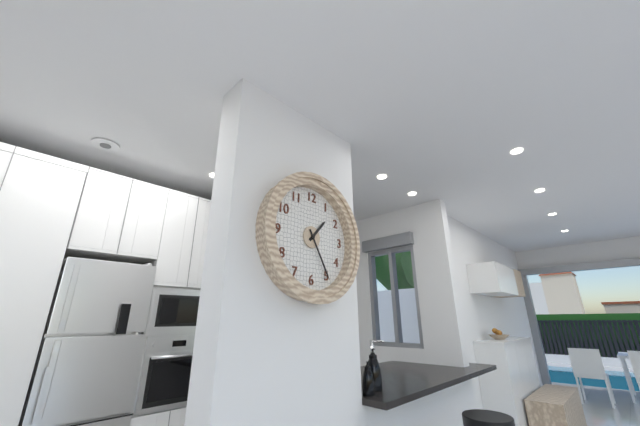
1:25
